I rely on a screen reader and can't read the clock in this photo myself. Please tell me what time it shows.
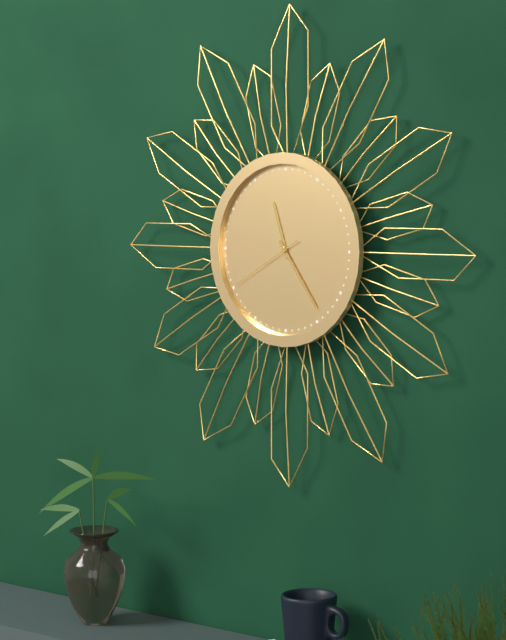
11:24:40
